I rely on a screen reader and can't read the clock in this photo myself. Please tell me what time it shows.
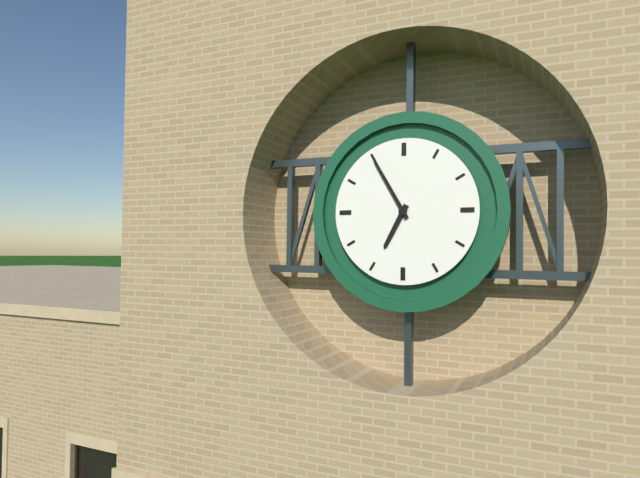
6:55
